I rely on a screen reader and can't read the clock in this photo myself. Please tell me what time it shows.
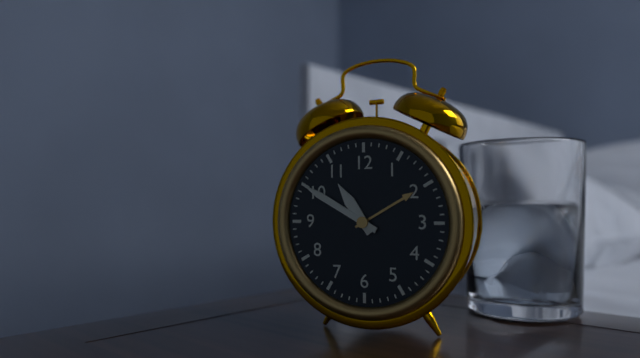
10:50
